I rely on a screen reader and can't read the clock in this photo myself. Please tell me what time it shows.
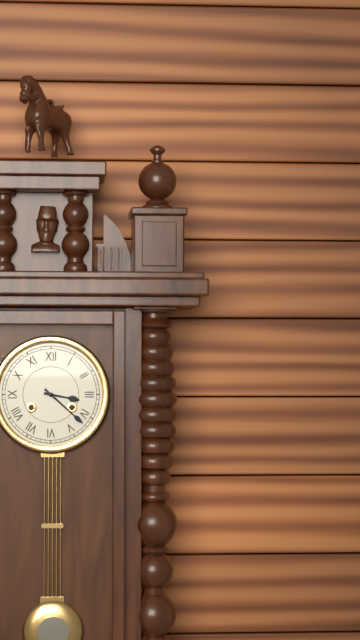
3:22
